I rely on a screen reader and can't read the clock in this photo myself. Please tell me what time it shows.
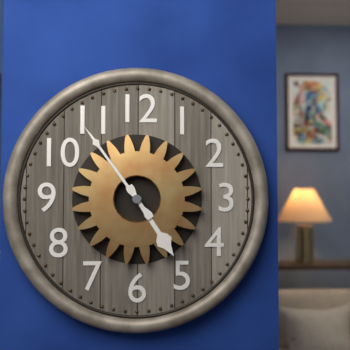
4:54
